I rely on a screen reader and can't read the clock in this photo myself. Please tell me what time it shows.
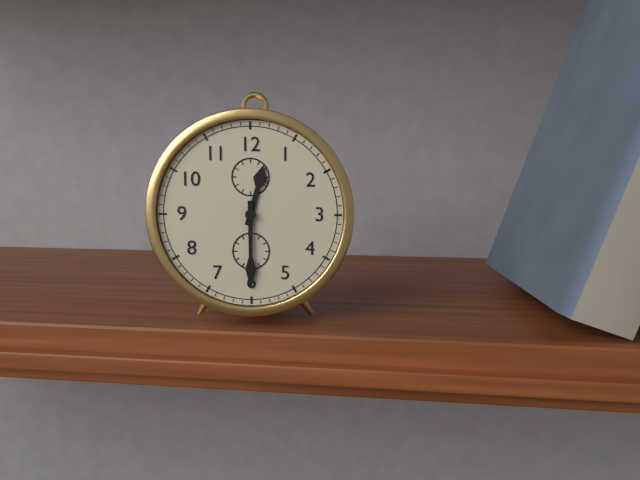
12:30
